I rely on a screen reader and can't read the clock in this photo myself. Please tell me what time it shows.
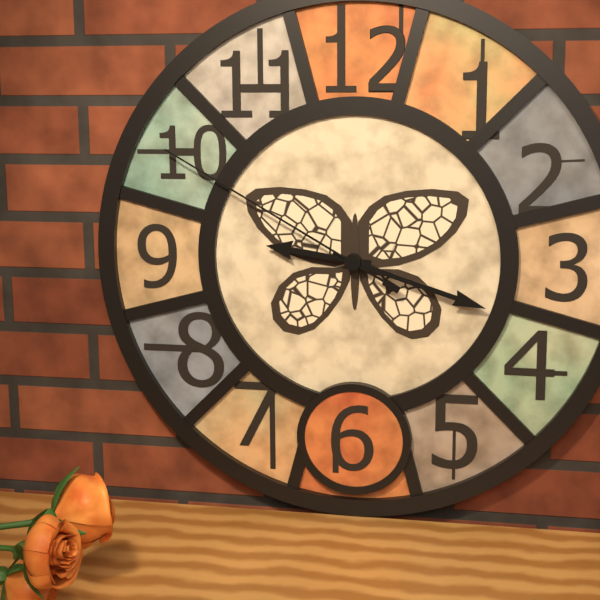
9:18:50
